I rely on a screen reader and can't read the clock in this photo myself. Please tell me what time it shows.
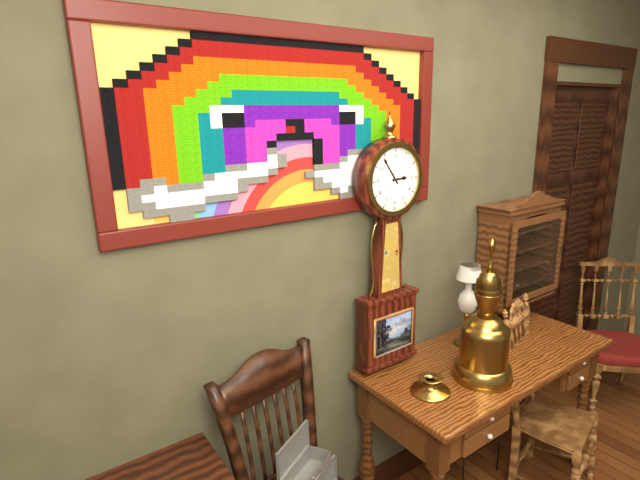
2:54
